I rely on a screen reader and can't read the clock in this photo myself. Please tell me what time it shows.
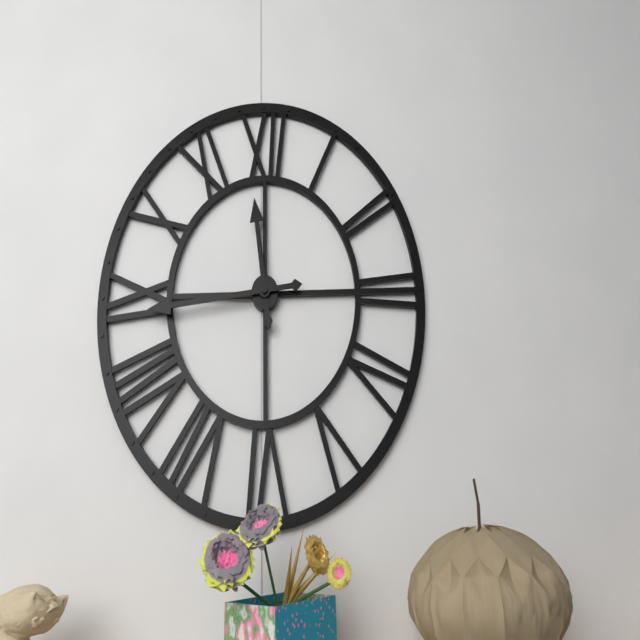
11:44
